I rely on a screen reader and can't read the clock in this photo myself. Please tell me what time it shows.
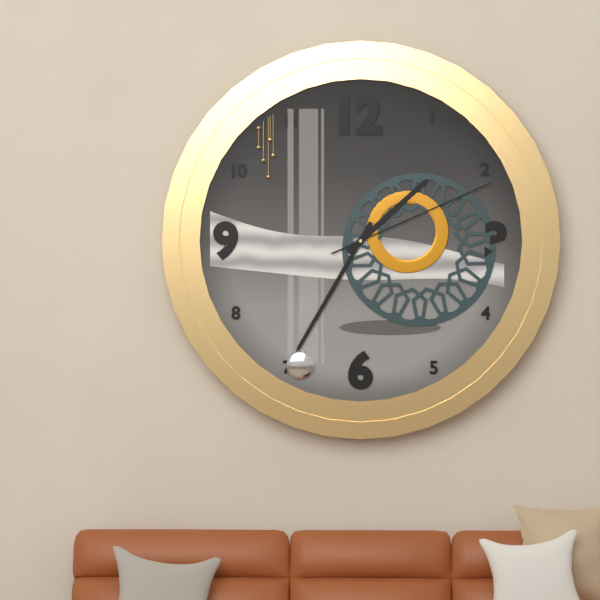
1:35:11
